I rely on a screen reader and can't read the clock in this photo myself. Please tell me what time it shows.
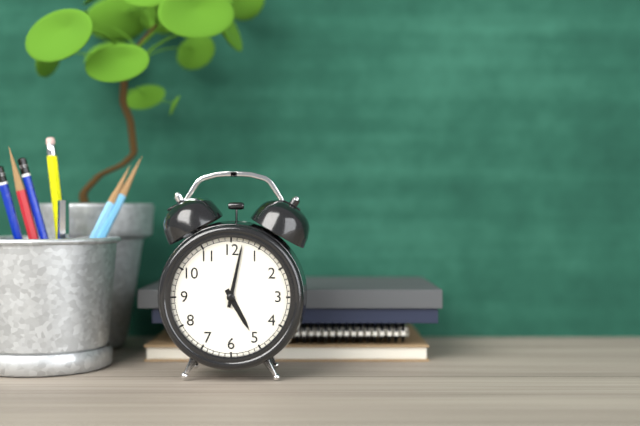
5:02
